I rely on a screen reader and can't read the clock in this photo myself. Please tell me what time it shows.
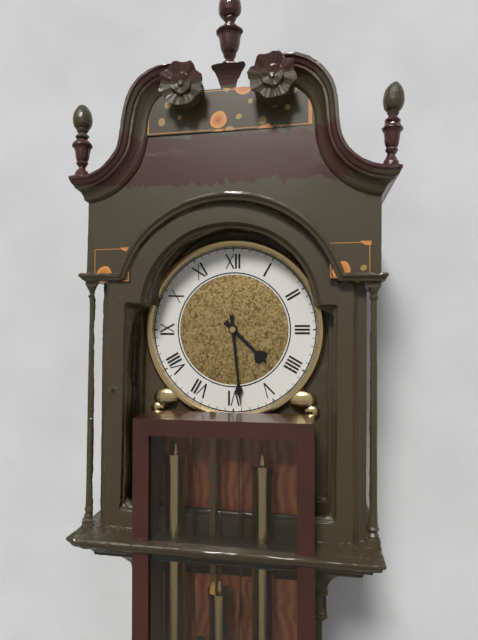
4:29
